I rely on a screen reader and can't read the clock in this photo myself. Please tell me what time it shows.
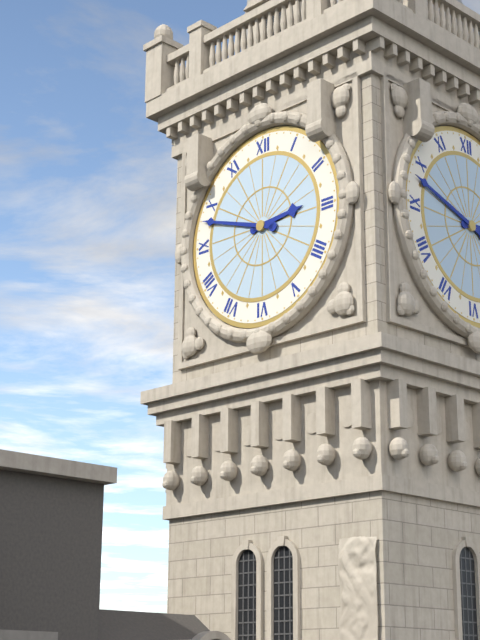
2:48
